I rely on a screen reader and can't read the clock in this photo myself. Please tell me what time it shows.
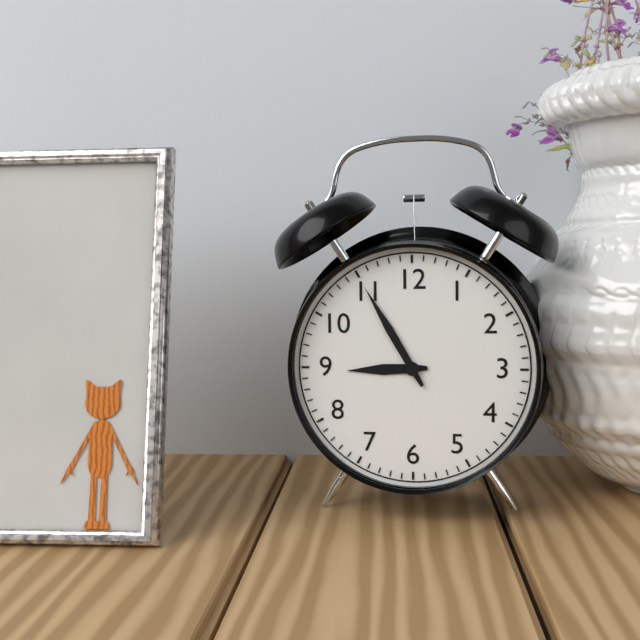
8:55
